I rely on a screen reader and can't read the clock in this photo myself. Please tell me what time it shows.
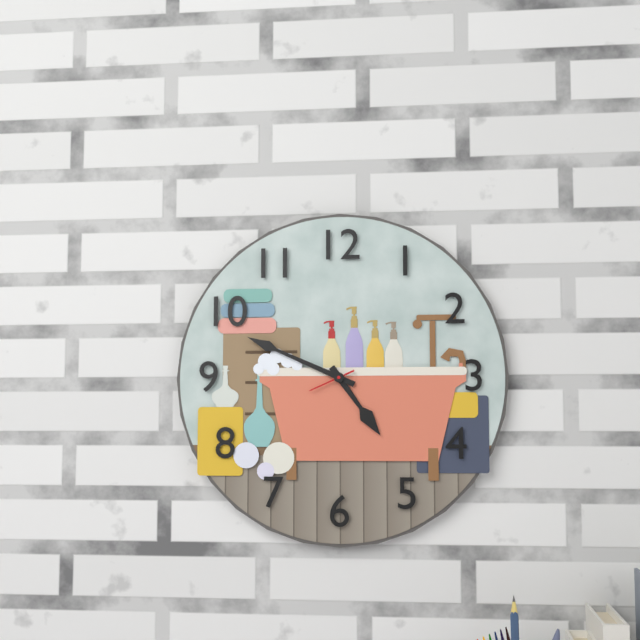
4:49
